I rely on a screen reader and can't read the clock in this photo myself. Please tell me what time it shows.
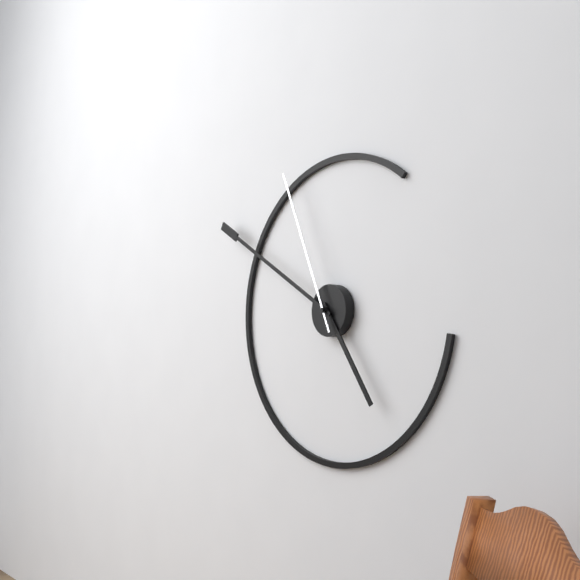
4:50:56
